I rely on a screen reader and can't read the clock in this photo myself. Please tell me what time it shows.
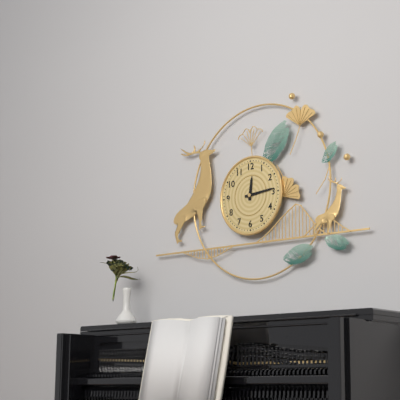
12:14
